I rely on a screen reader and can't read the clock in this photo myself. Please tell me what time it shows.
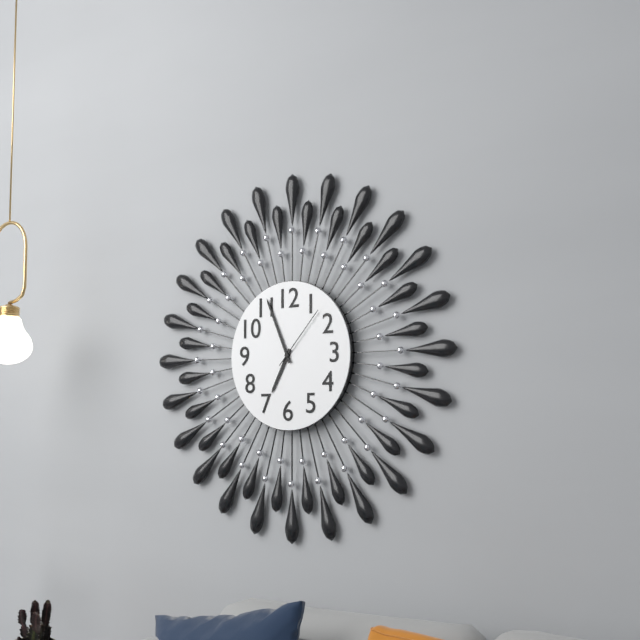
6:56:07
